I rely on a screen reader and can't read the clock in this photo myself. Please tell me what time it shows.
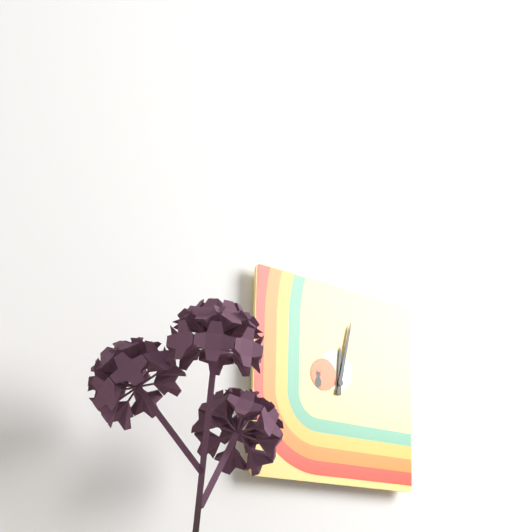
12:02
